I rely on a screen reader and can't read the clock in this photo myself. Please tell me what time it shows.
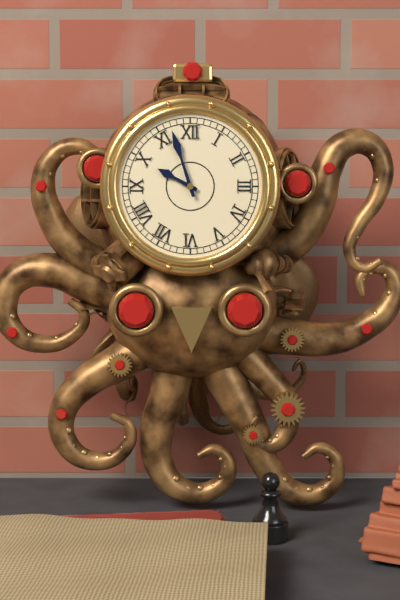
9:57
